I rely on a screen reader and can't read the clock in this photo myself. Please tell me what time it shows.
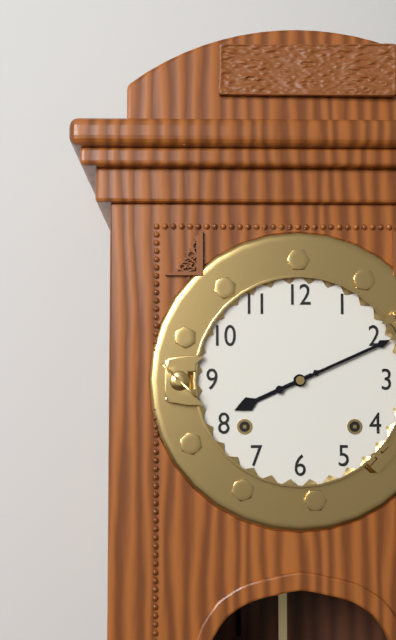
8:11
